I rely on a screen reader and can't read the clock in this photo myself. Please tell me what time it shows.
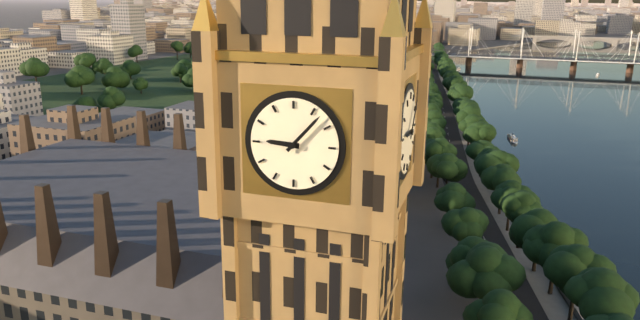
9:07
